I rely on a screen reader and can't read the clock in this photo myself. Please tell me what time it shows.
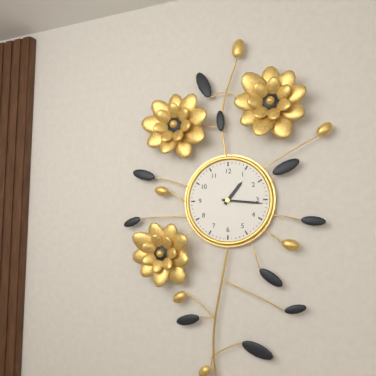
1:16
